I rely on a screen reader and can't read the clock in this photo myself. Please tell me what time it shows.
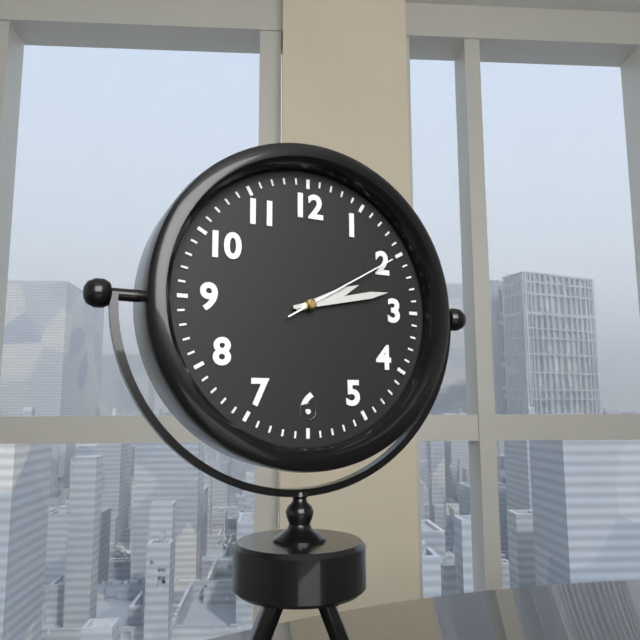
2:13:10
